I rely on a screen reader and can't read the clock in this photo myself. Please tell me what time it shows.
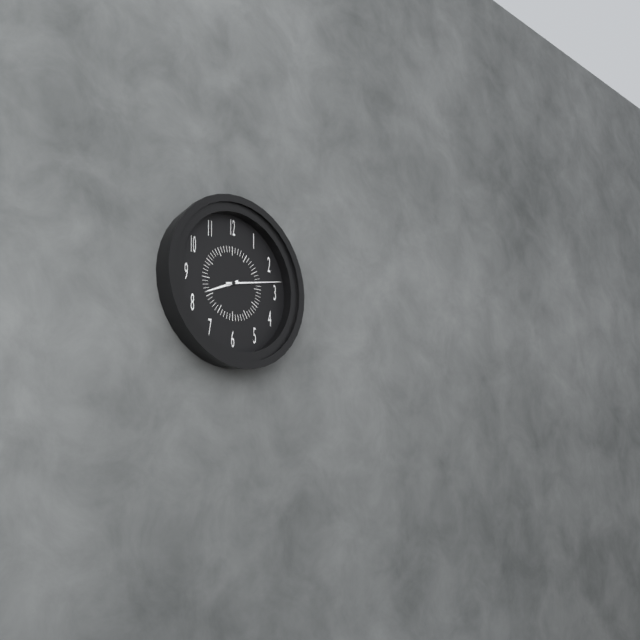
8:13
